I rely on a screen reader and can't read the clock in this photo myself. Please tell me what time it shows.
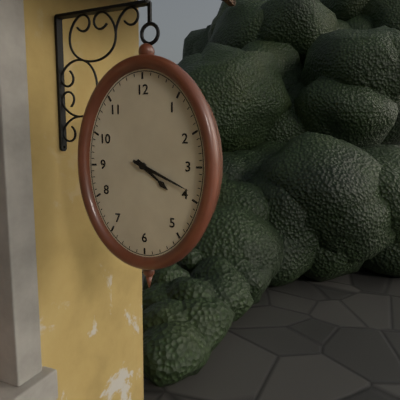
4:19
